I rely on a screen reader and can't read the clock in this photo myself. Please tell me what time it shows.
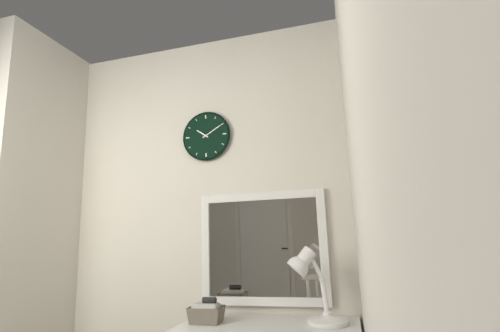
10:10
